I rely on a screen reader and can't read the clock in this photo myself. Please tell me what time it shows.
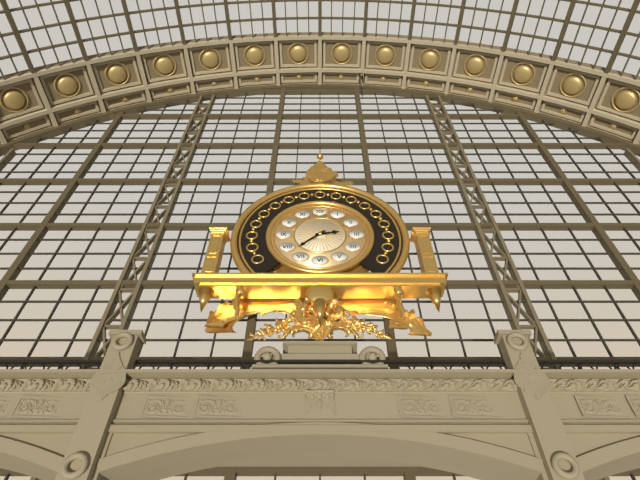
2:38
